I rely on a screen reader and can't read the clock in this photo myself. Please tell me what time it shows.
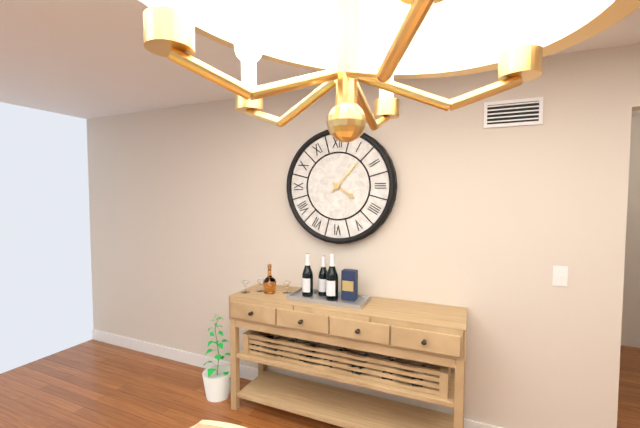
4:07
